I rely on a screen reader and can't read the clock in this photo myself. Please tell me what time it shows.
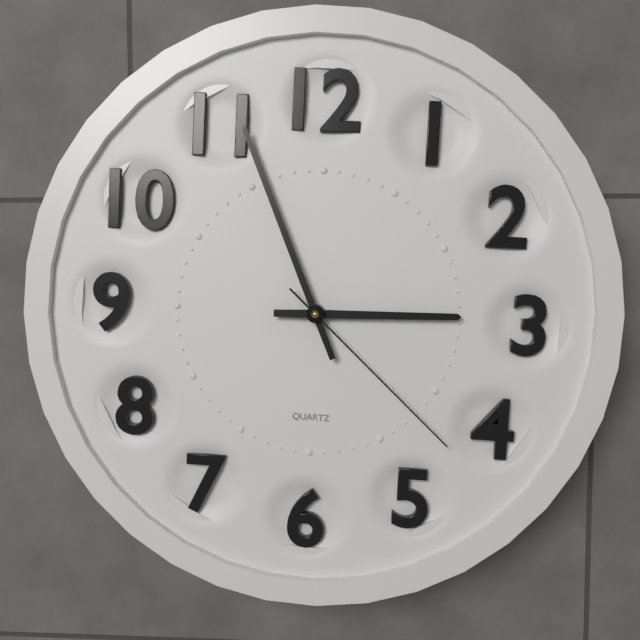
2:56:22
